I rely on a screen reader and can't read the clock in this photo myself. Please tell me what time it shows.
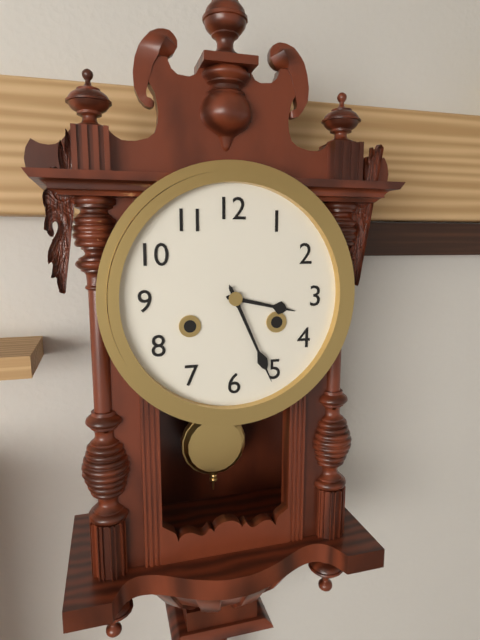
3:26
